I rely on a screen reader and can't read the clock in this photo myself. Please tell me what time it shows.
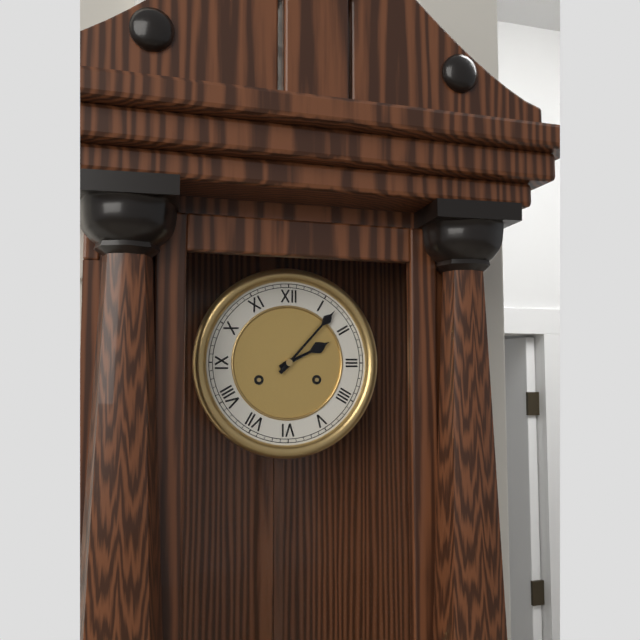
2:07
